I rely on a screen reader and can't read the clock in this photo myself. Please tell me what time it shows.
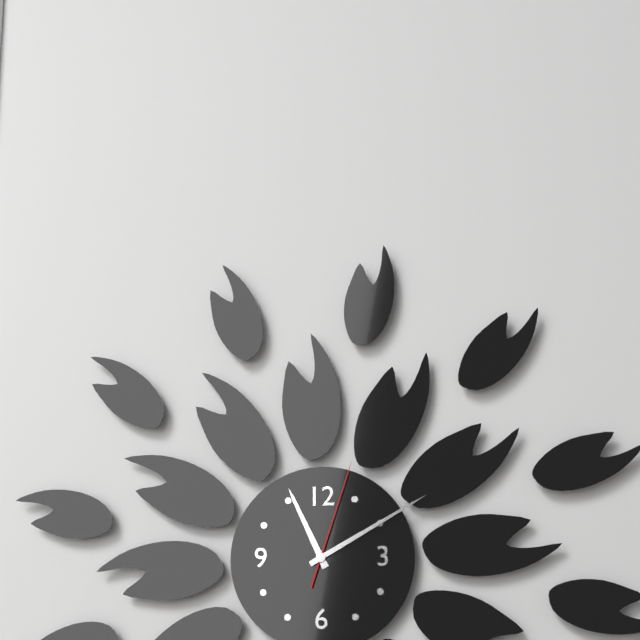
11:10:03
